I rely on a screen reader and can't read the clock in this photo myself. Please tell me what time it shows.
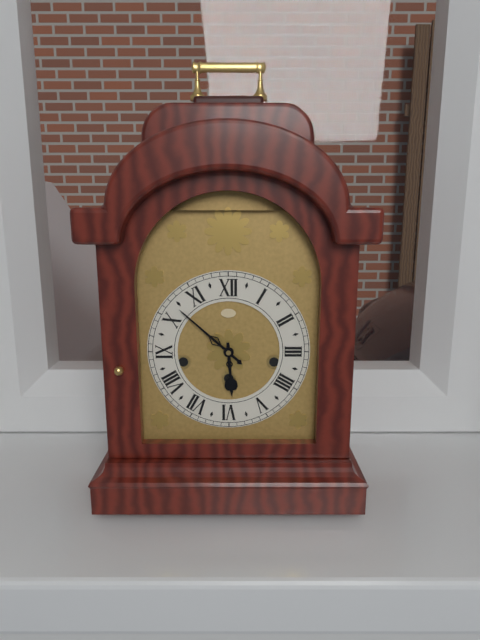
5:52
